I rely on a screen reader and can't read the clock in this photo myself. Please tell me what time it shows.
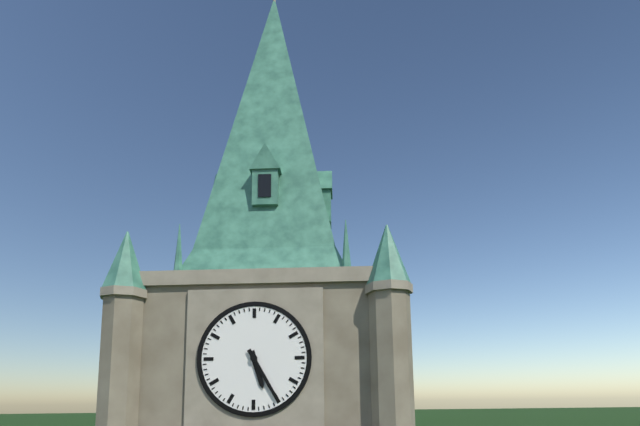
5:25
